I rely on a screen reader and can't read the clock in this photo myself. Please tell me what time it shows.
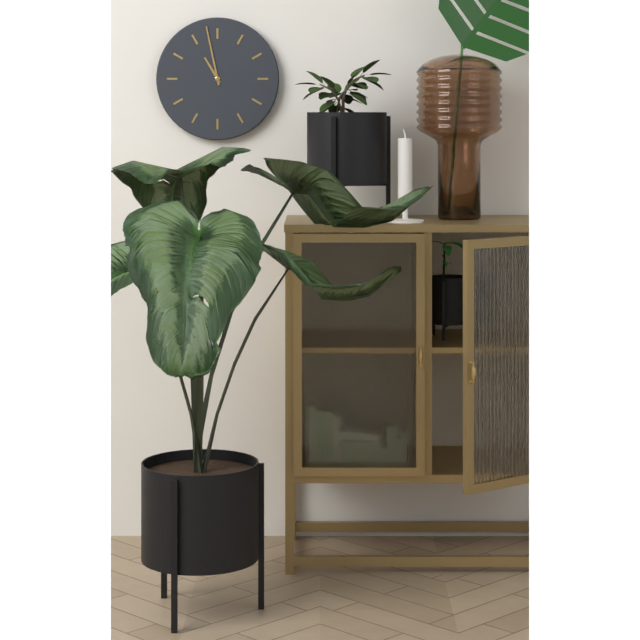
10:58
